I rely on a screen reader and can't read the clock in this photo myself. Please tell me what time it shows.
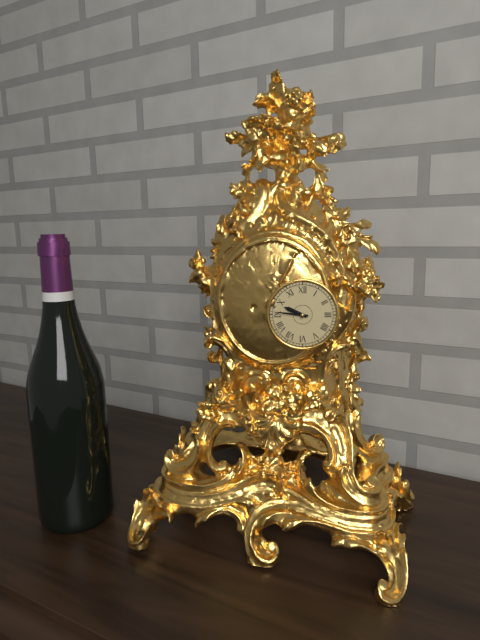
9:46
